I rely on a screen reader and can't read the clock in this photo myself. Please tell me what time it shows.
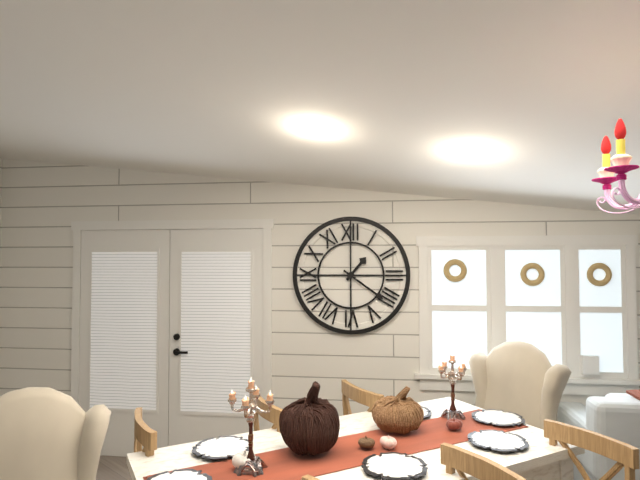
1:21
